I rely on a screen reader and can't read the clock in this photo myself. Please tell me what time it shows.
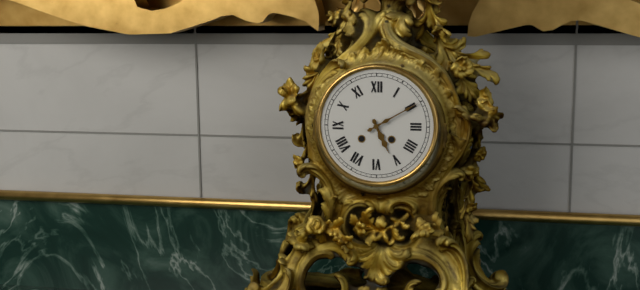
5:10
